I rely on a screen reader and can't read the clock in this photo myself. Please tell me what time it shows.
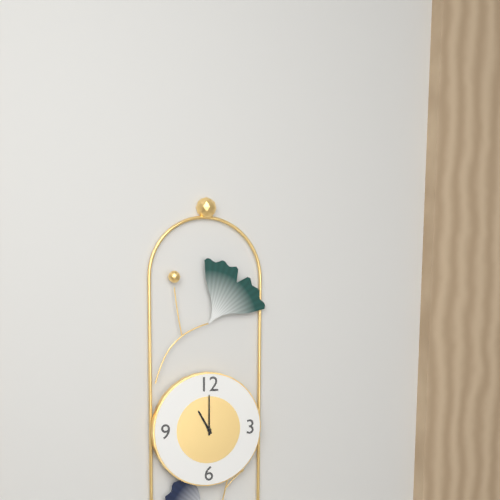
11:00
